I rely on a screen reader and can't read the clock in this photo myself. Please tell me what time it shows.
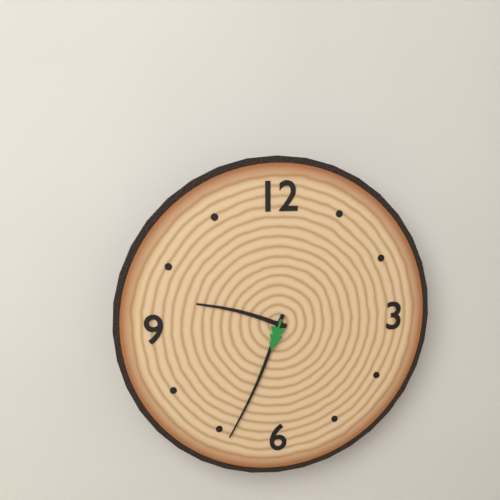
9:34
